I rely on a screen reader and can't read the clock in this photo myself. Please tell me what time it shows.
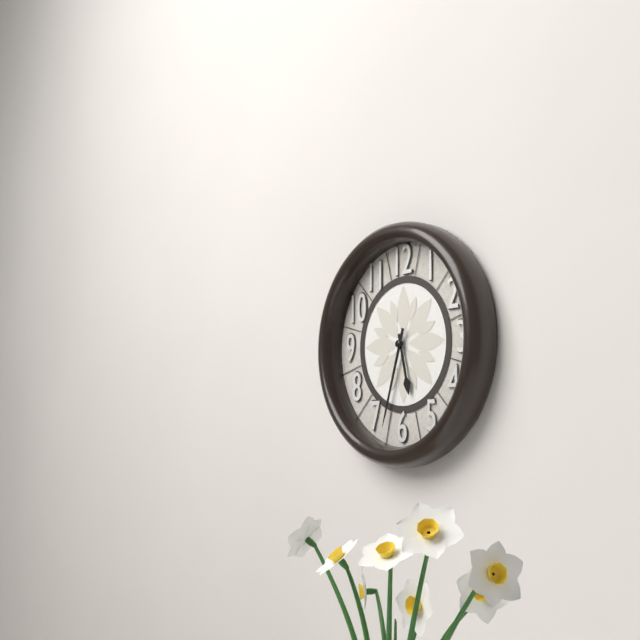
5:33
